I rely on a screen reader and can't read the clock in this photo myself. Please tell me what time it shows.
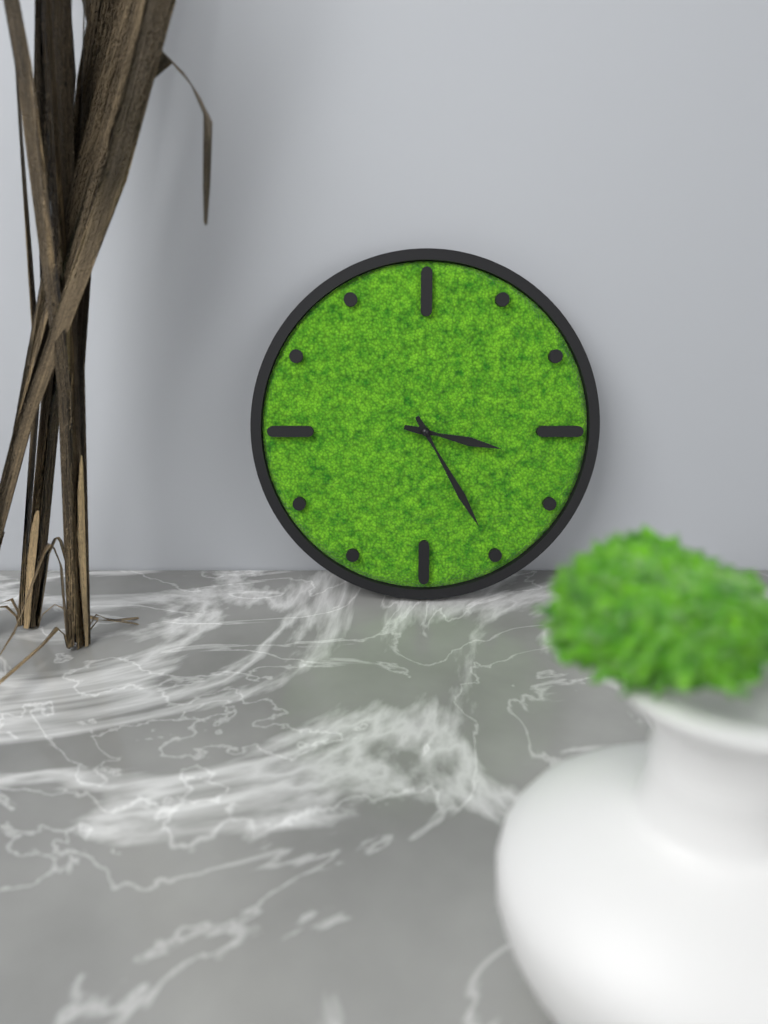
3:25
